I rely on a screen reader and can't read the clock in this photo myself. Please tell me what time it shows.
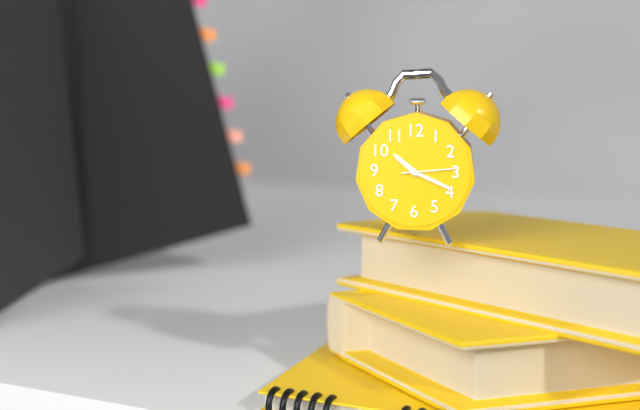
10:19:14
